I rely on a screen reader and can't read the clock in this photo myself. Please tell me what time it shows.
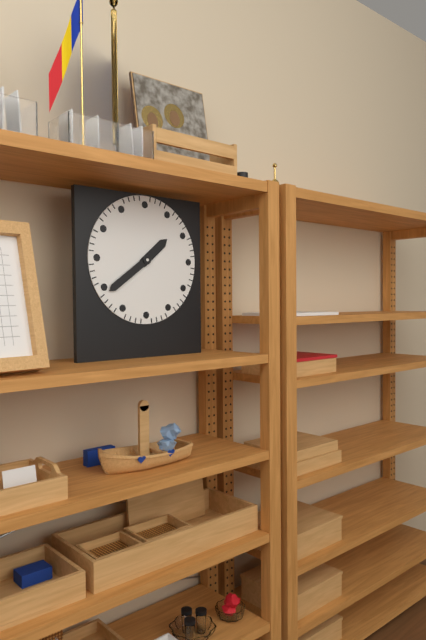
1:39
